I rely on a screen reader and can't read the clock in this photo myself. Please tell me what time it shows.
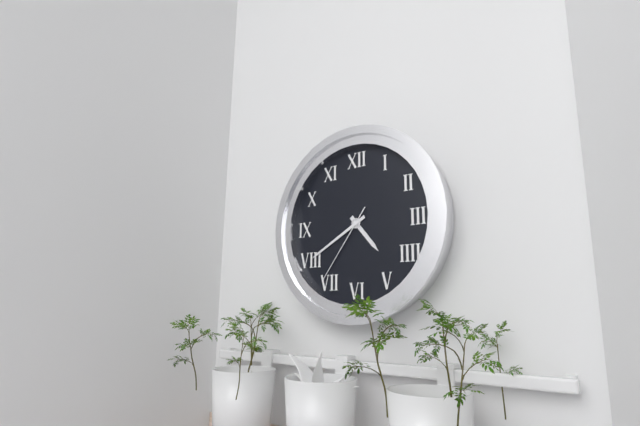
4:40:36
